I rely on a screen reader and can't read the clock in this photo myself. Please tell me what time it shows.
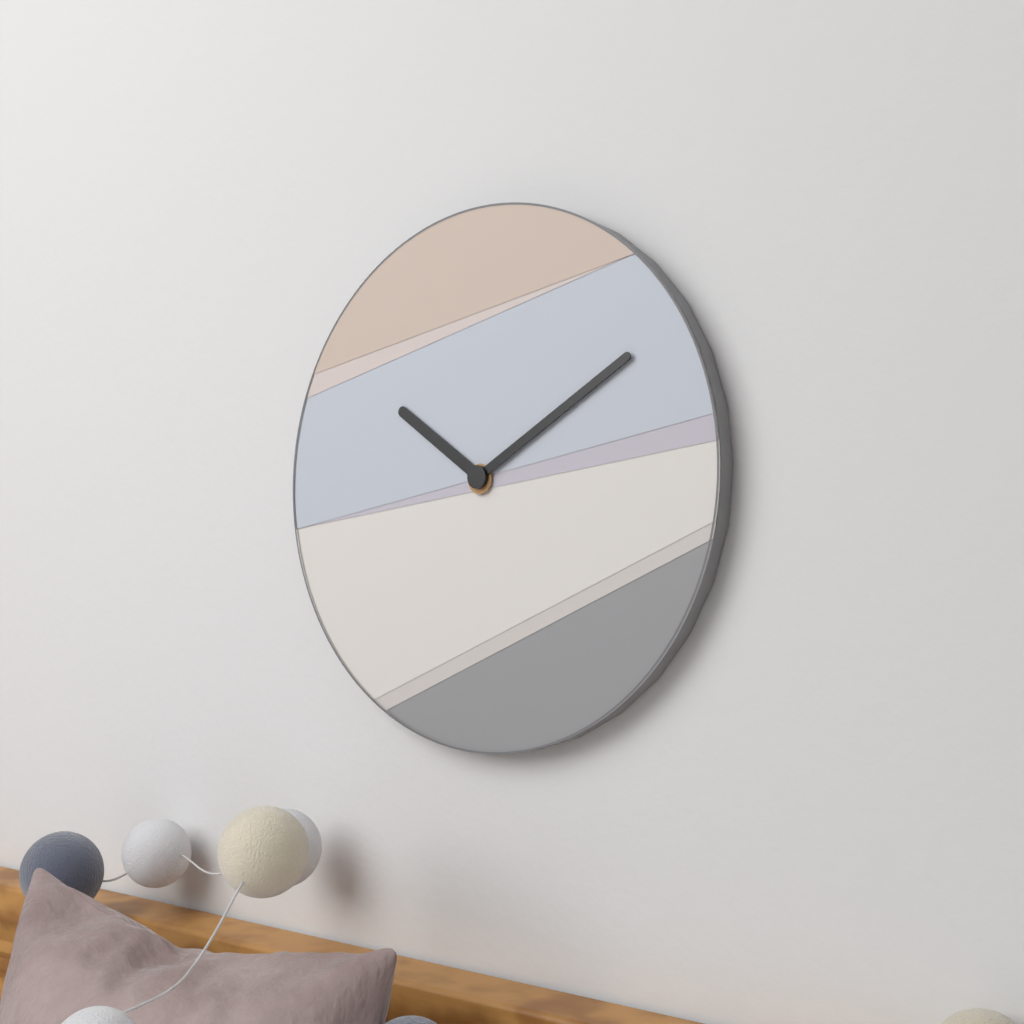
10:10
